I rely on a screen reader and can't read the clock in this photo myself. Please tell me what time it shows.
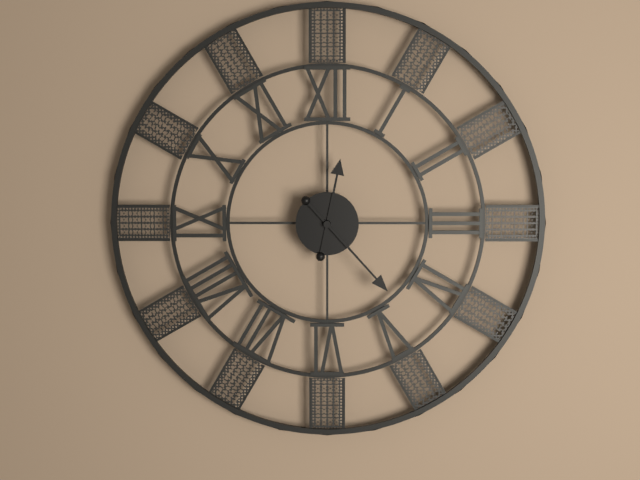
12:23
